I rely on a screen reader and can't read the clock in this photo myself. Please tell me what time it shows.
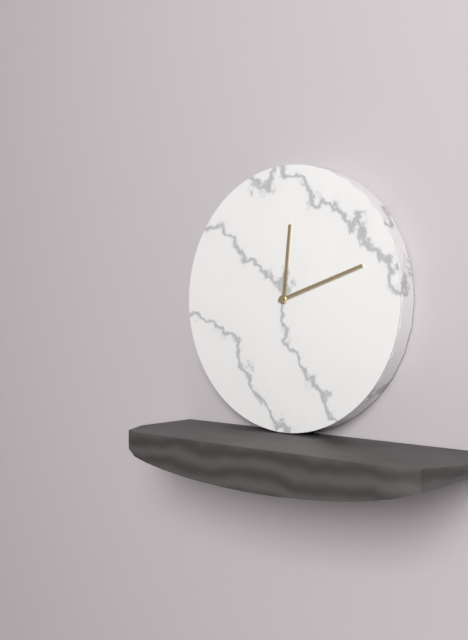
12:12
